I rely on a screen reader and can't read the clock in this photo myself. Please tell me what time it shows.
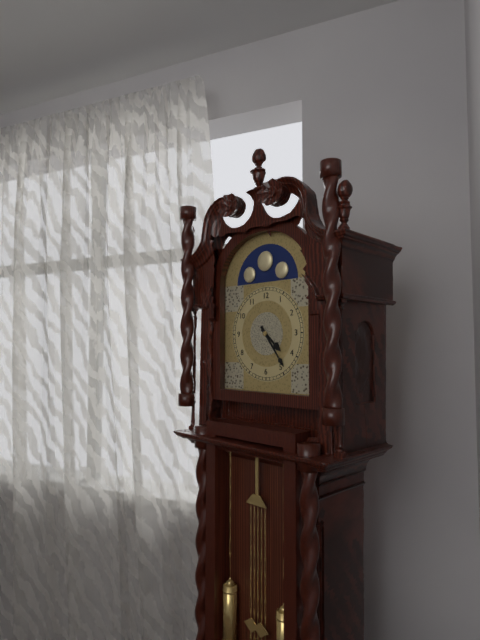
4:24
